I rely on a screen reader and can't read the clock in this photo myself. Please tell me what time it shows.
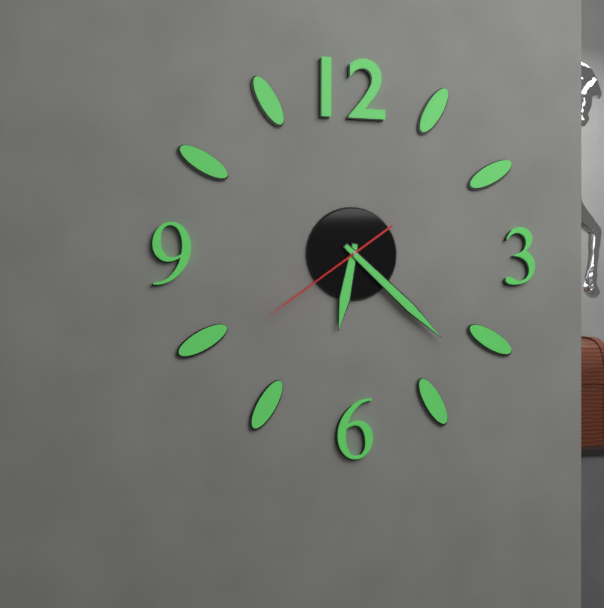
6:22:39
